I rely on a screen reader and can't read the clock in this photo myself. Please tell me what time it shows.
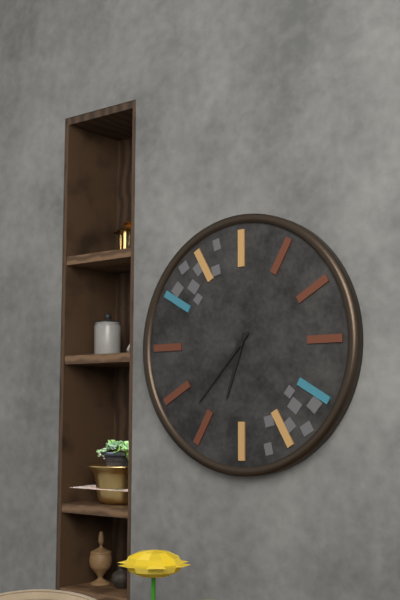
6:37
